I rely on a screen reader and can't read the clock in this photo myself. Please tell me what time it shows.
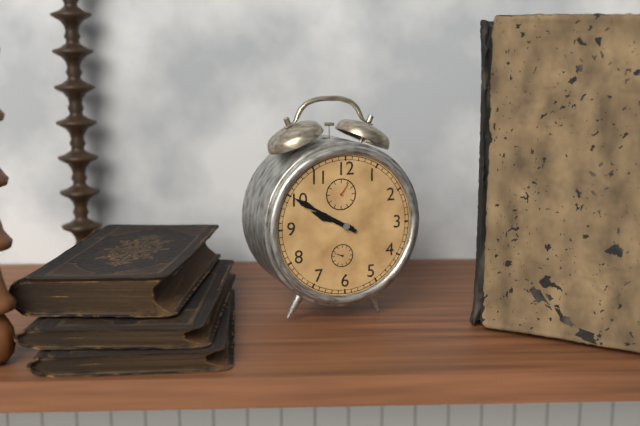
9:50
